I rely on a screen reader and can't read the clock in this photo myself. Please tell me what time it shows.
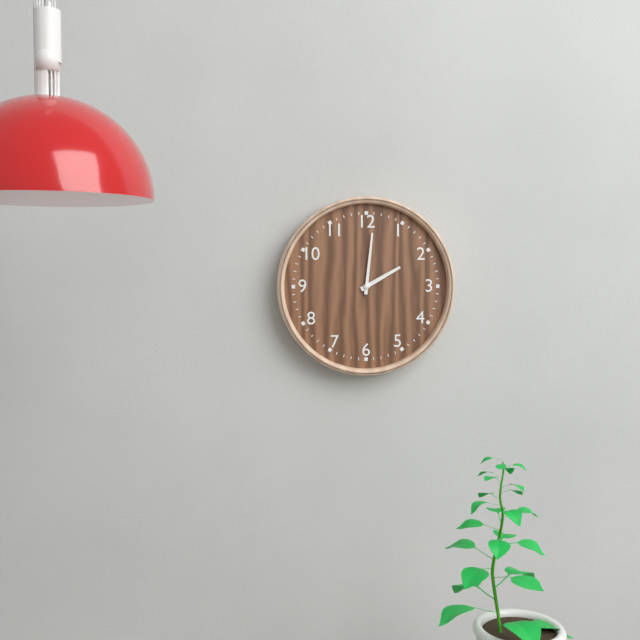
2:01
